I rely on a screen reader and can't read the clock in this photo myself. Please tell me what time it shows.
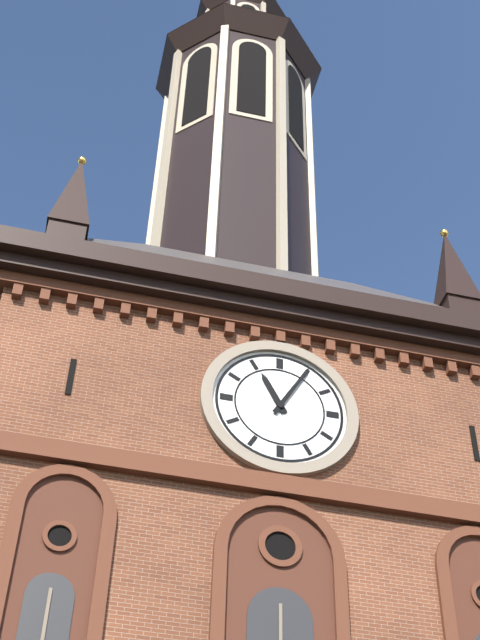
11:05
